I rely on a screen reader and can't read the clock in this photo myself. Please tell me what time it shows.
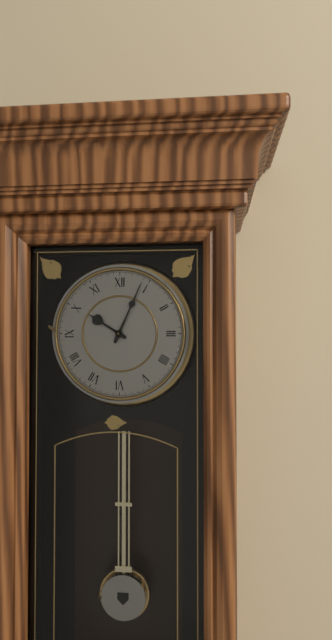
10:04
